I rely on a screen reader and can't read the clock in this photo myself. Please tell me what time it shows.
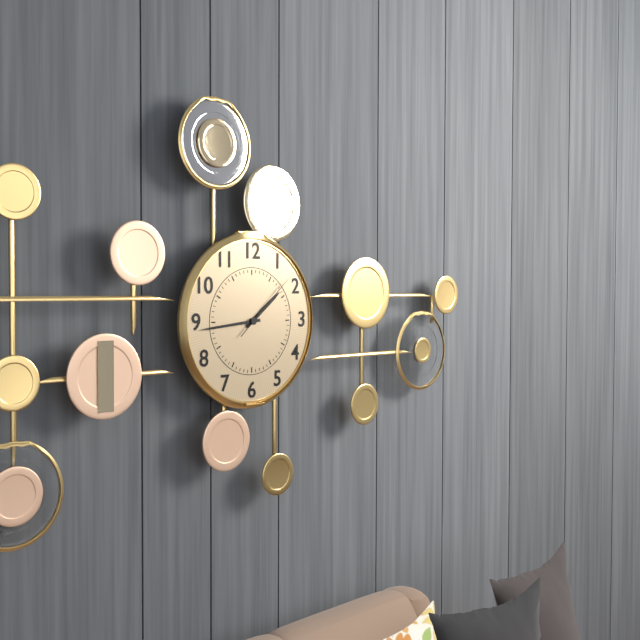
1:44:08
